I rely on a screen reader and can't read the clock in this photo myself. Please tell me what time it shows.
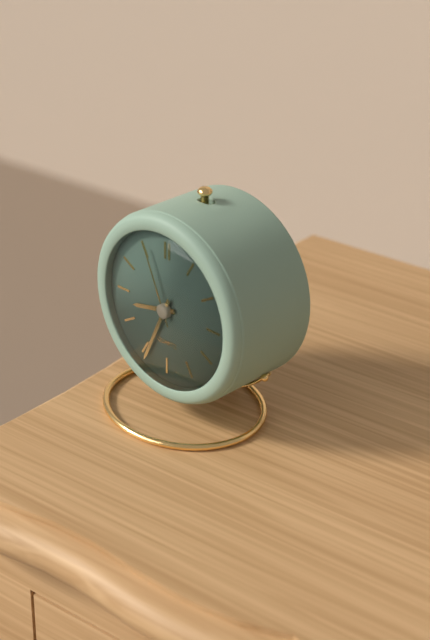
8:34:56
